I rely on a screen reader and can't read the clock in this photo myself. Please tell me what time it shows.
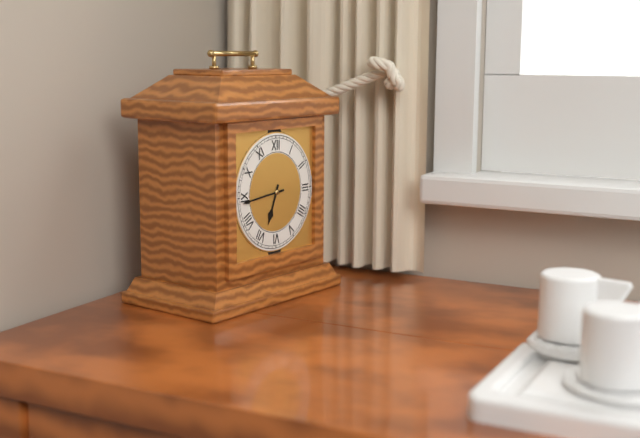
6:44
